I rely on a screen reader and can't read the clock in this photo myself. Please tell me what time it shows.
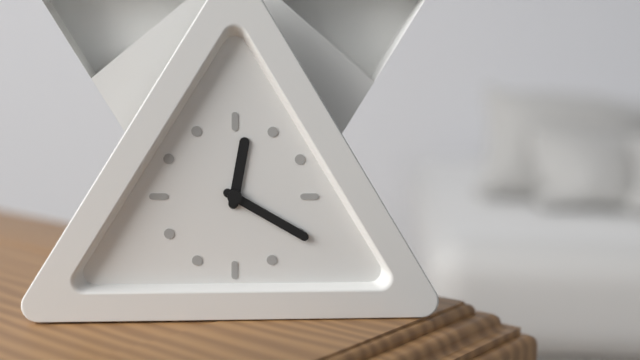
12:20
